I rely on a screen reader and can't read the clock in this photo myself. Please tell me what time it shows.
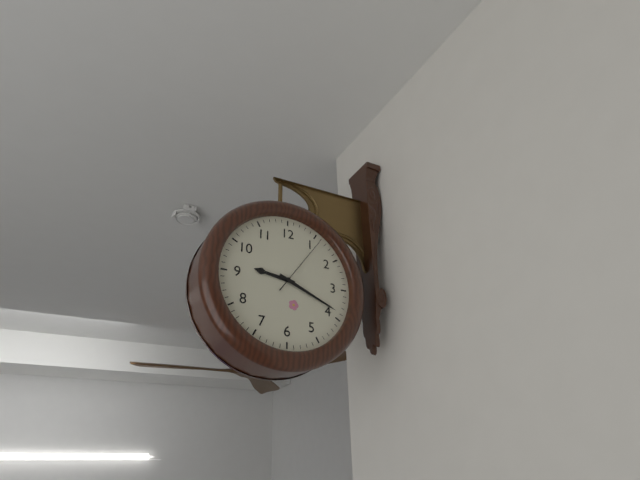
9:19:06
